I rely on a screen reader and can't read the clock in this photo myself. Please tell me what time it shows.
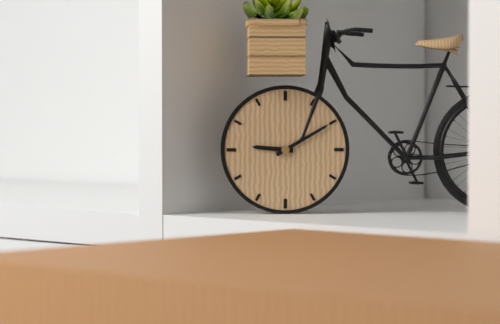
9:10
